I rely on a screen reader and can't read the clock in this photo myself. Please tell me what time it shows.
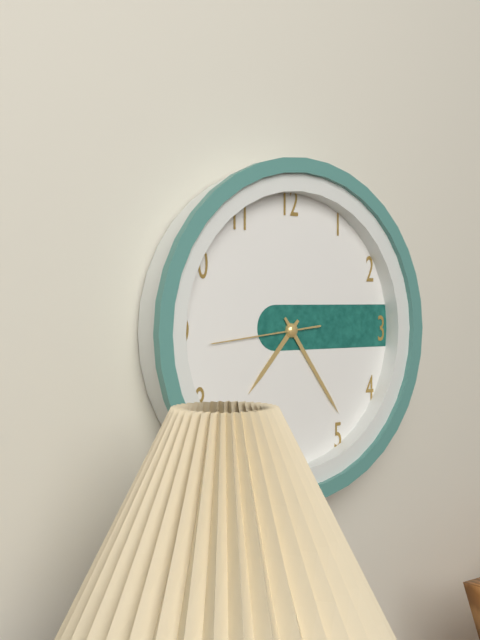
7:24:44
